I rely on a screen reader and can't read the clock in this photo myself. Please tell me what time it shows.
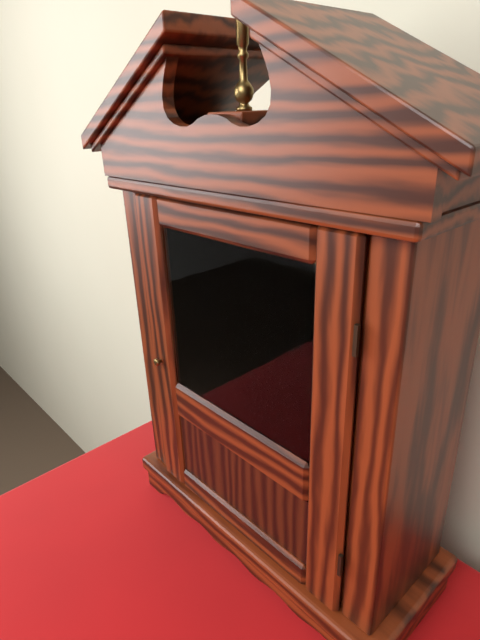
3:25
